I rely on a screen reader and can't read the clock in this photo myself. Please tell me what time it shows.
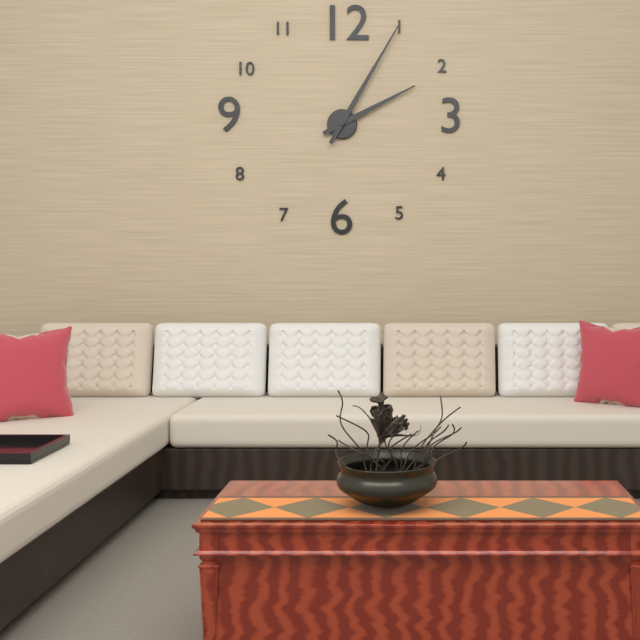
2:05
